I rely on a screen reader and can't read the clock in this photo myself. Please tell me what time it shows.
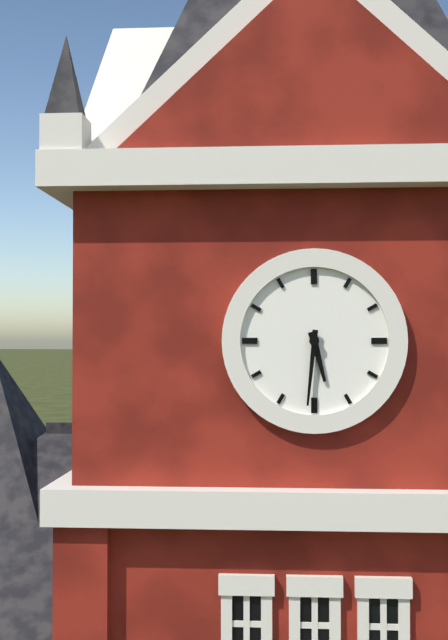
5:31
